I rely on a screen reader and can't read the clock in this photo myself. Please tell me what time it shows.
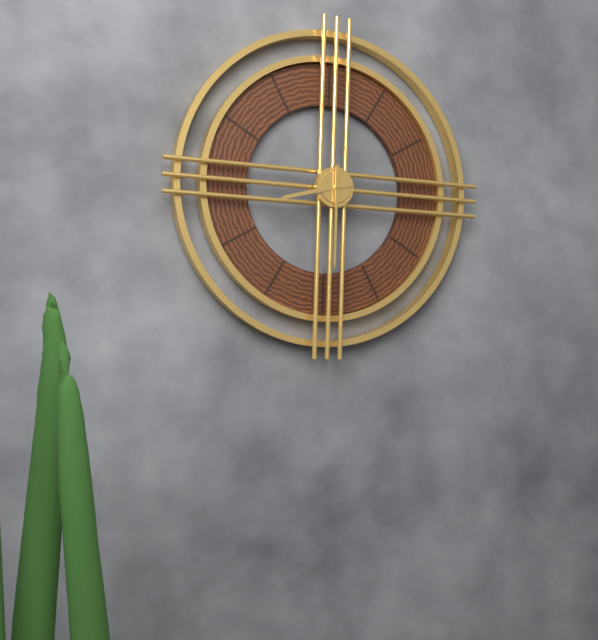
8:30
